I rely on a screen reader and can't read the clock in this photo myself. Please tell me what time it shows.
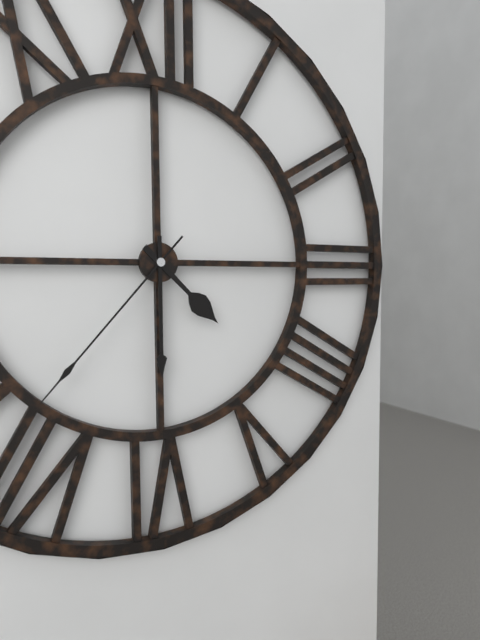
4:30:37
